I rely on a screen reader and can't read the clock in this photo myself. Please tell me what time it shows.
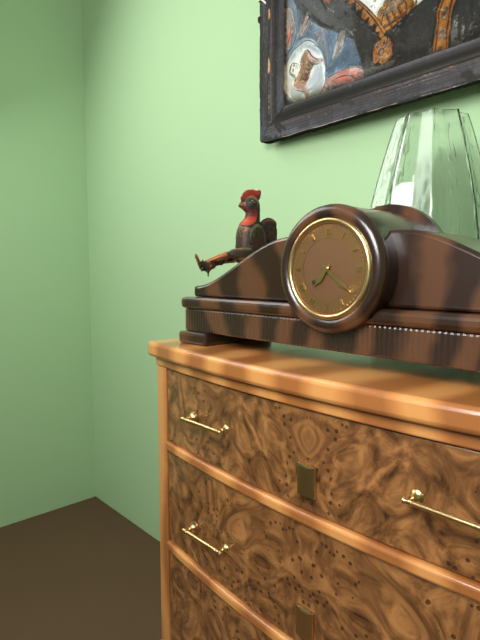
7:21
